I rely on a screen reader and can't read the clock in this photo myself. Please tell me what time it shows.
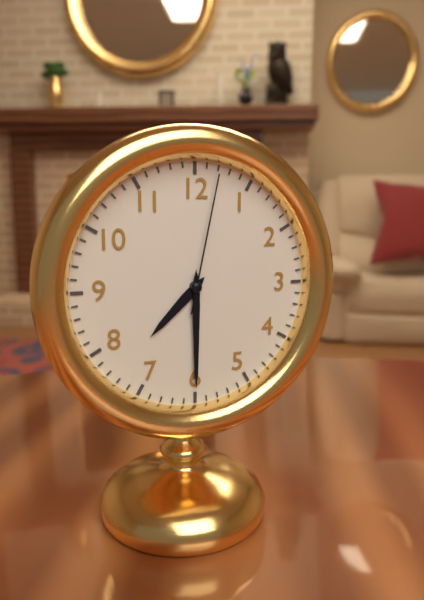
7:30:02
